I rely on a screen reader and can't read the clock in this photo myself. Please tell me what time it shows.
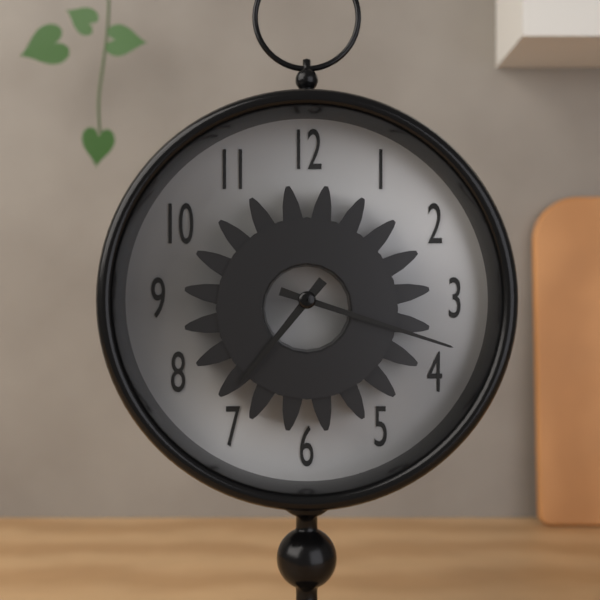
7:18
